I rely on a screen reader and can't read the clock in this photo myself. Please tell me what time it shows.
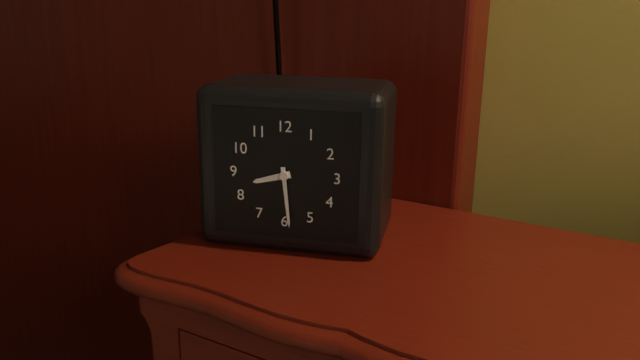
8:29
